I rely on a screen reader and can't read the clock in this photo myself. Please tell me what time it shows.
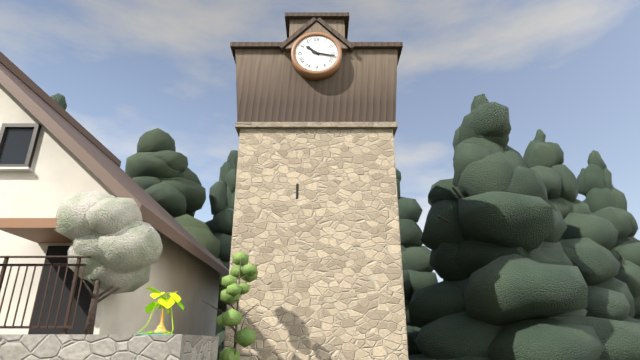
10:17
